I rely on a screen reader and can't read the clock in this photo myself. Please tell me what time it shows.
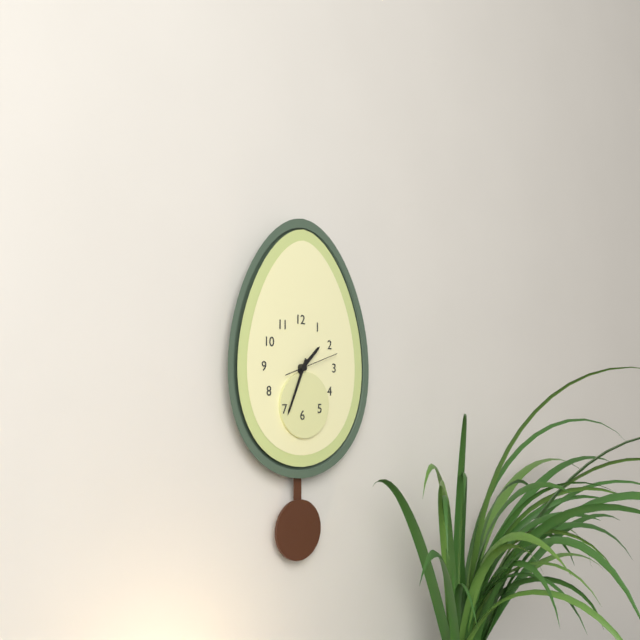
1:34:12
